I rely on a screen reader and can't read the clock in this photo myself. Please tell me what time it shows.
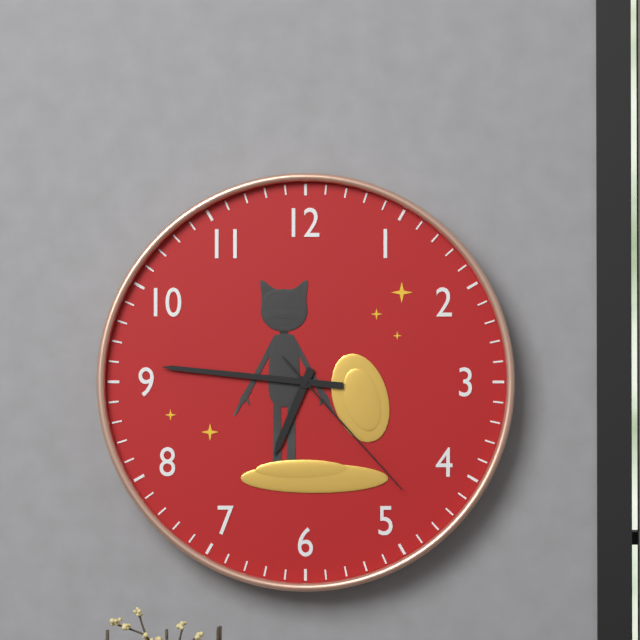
6:46:23
